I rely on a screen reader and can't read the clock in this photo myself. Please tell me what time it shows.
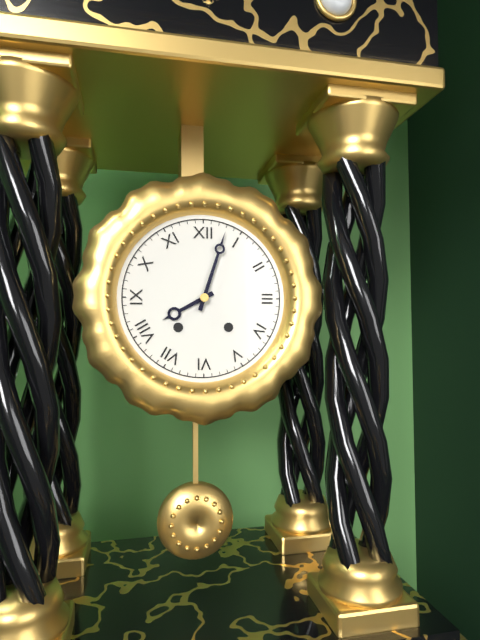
8:03
